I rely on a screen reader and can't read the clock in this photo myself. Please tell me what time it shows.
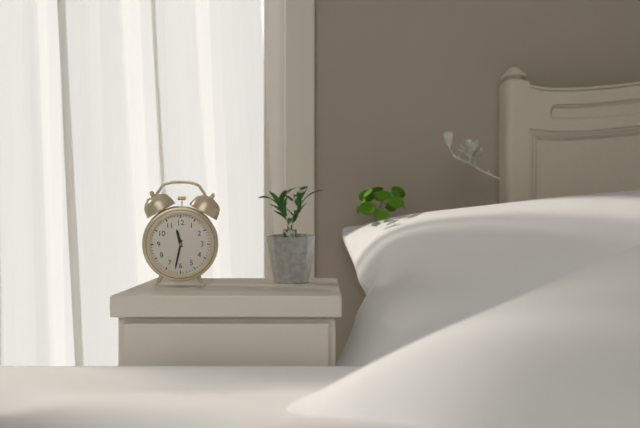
11:32
